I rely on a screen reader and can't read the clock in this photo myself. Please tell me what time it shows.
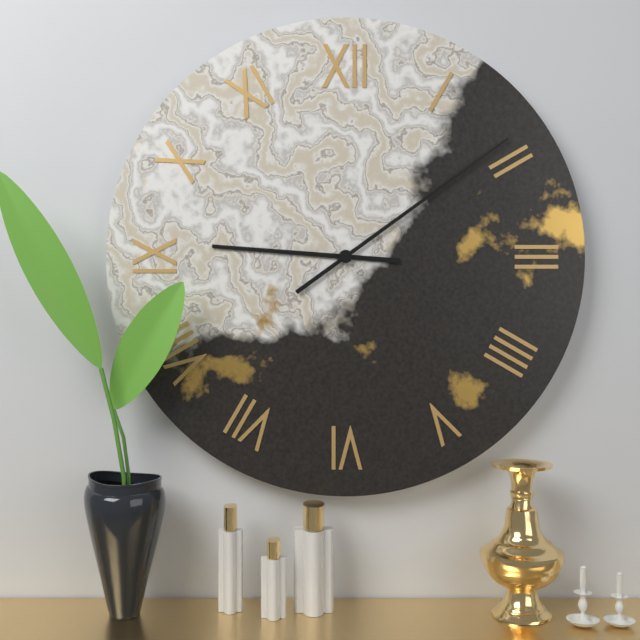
9:09
